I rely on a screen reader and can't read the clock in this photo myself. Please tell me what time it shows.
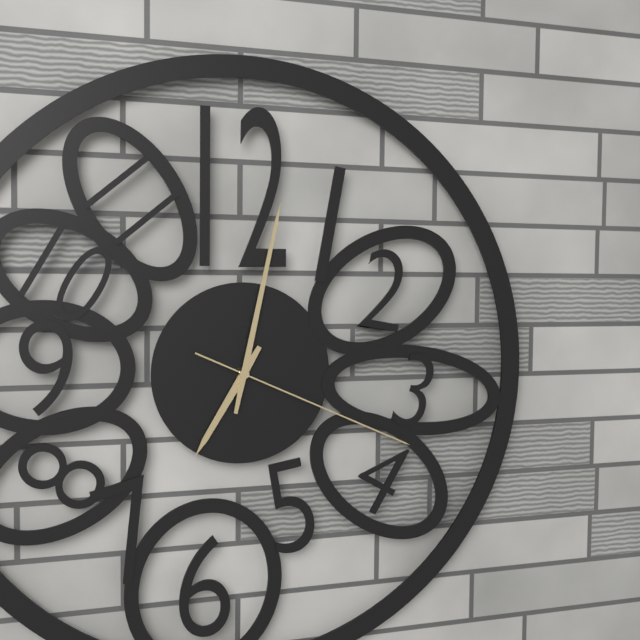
7:02:19
